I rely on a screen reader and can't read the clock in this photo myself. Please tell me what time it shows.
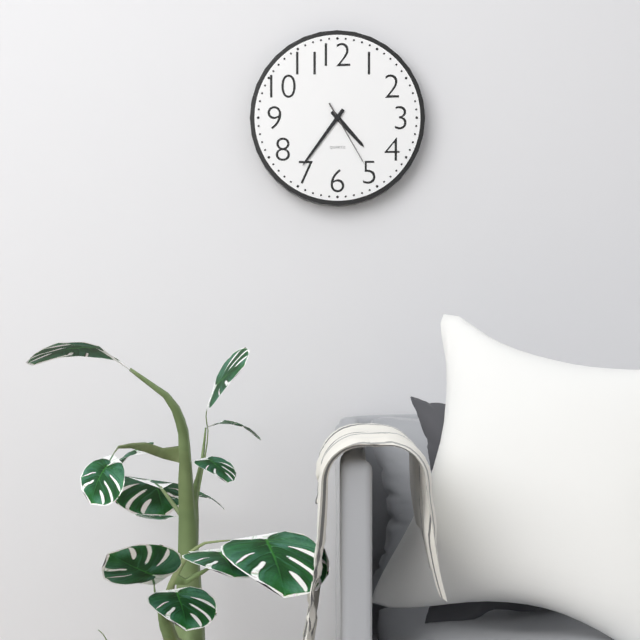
4:36:25
